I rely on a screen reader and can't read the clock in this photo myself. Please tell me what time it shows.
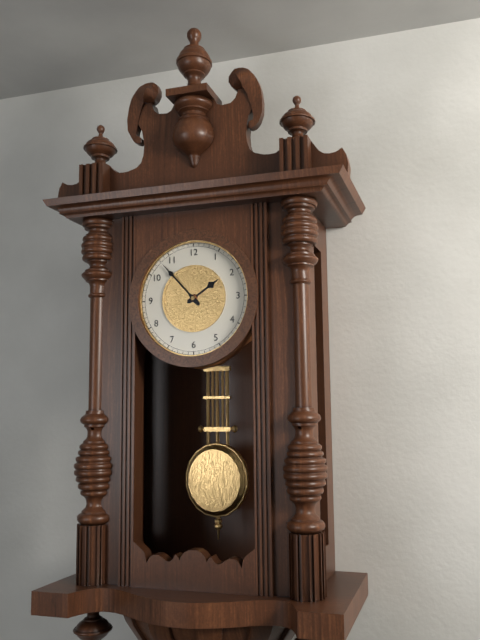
1:53
